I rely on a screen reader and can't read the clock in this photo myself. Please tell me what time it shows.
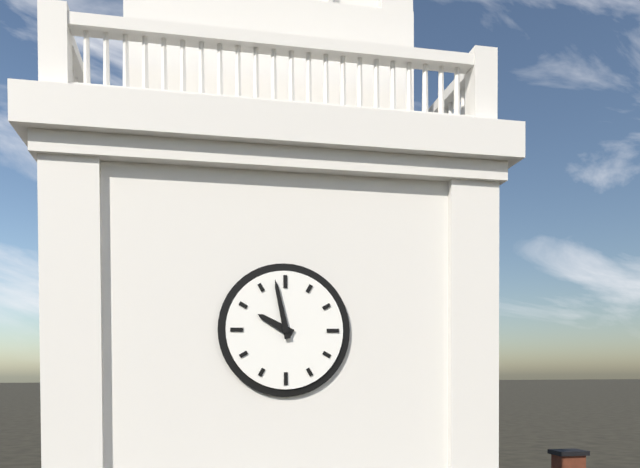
9:58
